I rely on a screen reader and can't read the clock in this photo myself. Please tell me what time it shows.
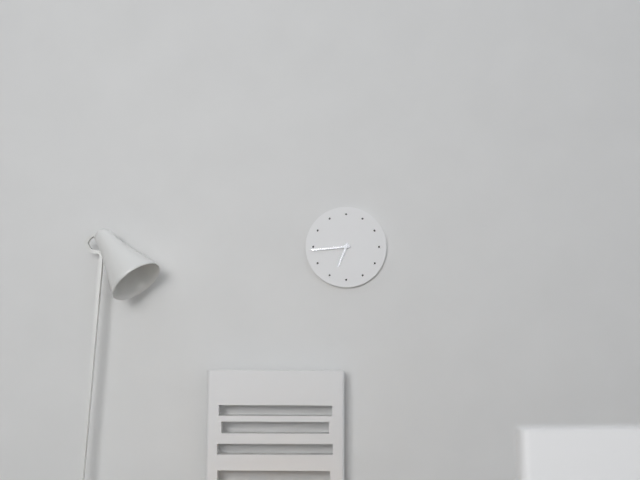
6:44
